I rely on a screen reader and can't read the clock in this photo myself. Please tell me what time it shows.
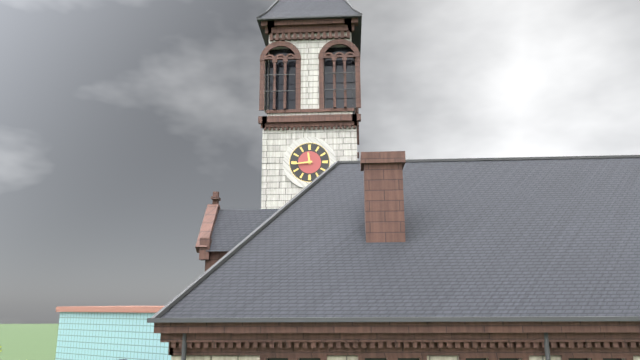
11:44
